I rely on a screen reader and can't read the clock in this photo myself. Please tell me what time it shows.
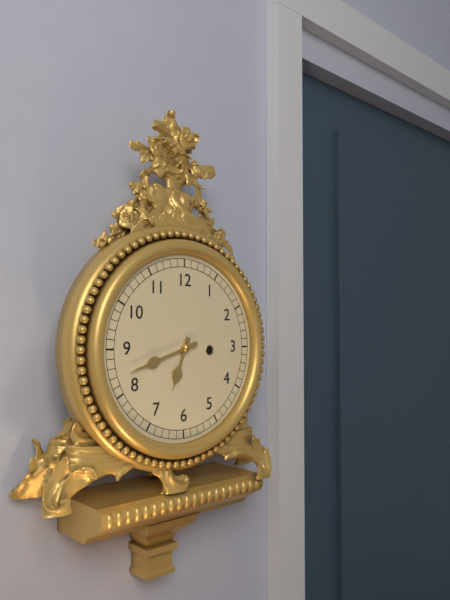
6:42
